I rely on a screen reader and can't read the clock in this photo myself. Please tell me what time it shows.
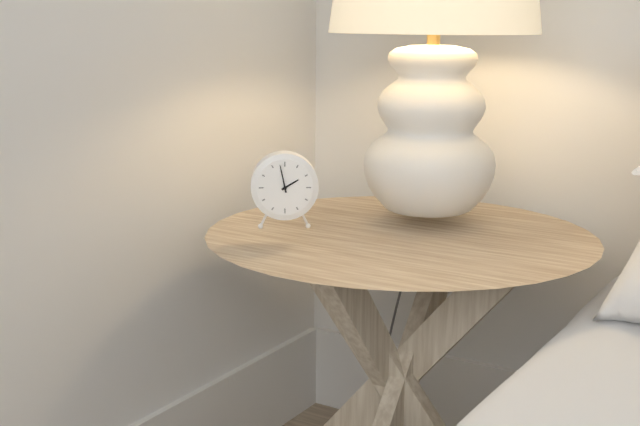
1:58
